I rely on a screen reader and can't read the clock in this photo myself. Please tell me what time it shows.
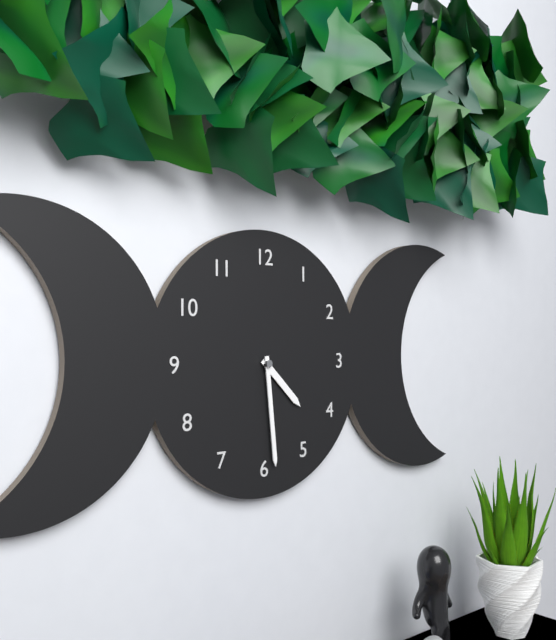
4:29
